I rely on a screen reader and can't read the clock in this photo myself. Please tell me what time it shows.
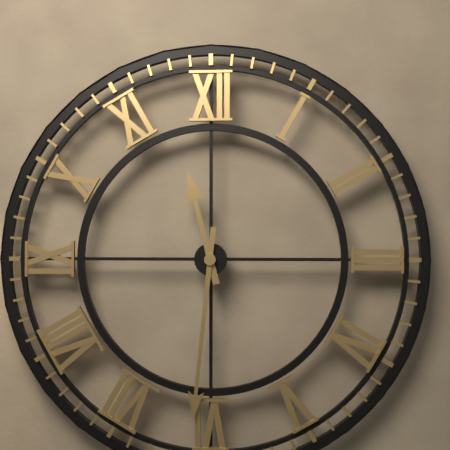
11:31
